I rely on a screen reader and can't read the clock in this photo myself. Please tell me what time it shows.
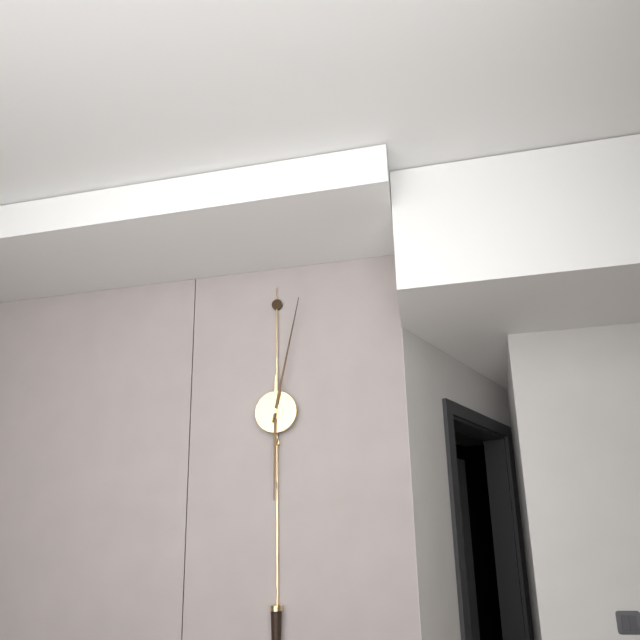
6:02
